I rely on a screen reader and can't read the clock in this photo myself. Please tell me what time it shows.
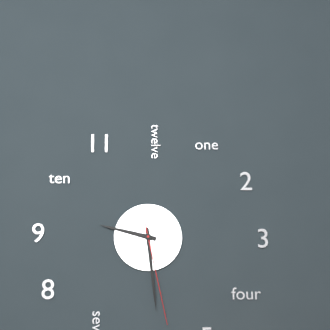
9:29:28
